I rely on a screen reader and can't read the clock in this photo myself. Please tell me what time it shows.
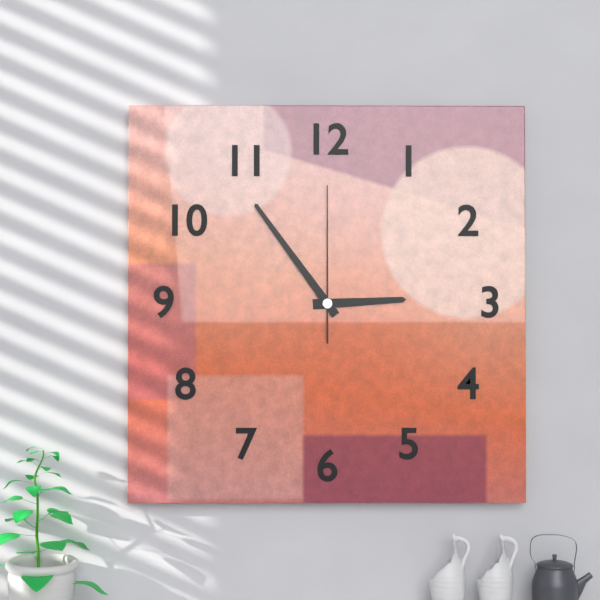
2:54:00
